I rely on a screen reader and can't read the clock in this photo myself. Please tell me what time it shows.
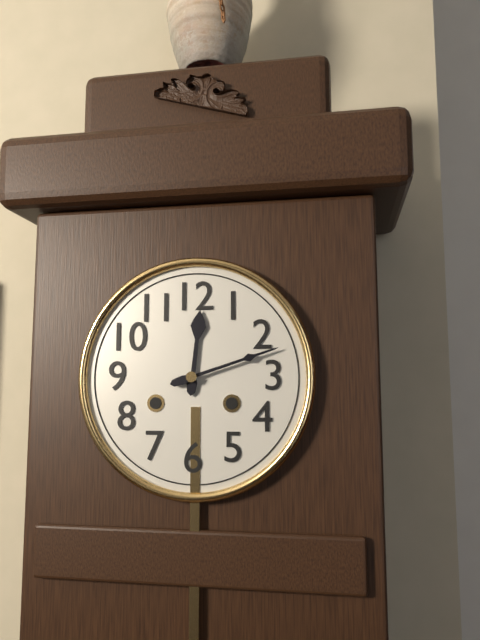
12:12
